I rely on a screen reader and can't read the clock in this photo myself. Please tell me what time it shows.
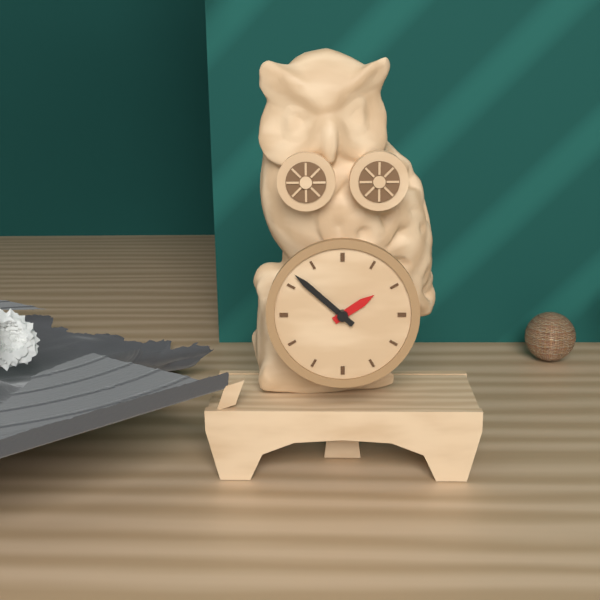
1:52
